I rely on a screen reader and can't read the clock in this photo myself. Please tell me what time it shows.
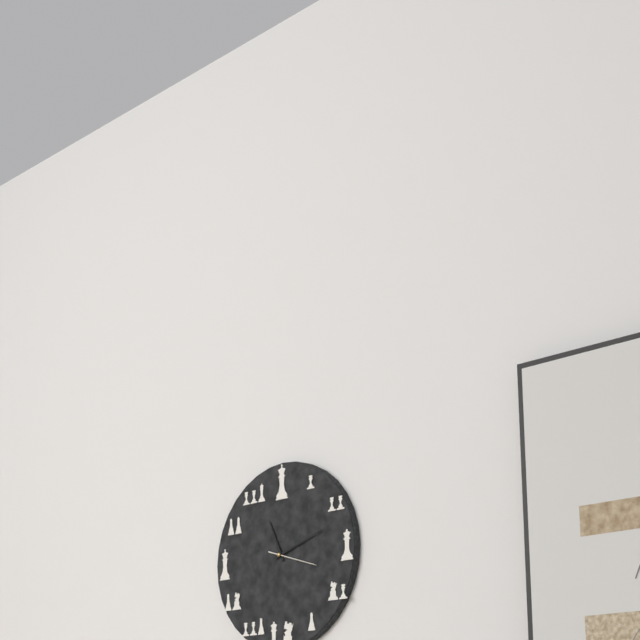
11:12
